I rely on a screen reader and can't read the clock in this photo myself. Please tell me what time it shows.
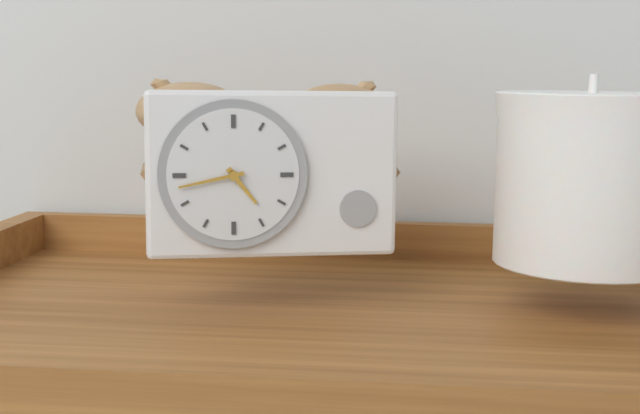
4:43
